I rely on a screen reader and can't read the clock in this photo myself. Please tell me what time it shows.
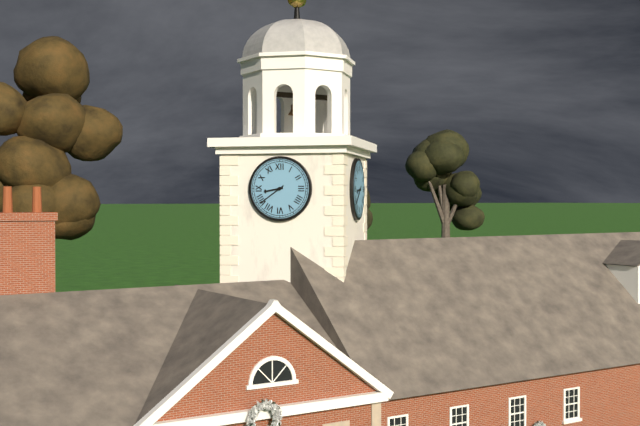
8:39
